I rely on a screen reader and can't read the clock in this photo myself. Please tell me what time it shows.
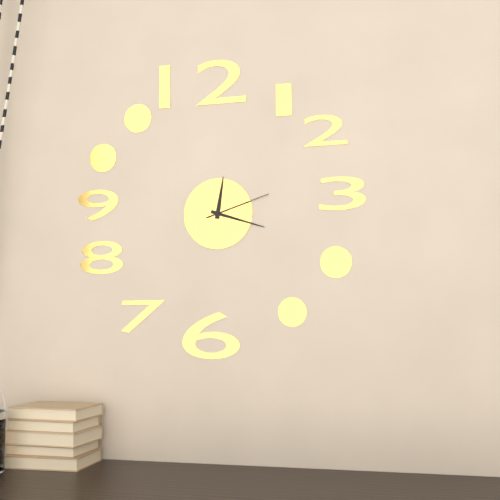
12:18:12
